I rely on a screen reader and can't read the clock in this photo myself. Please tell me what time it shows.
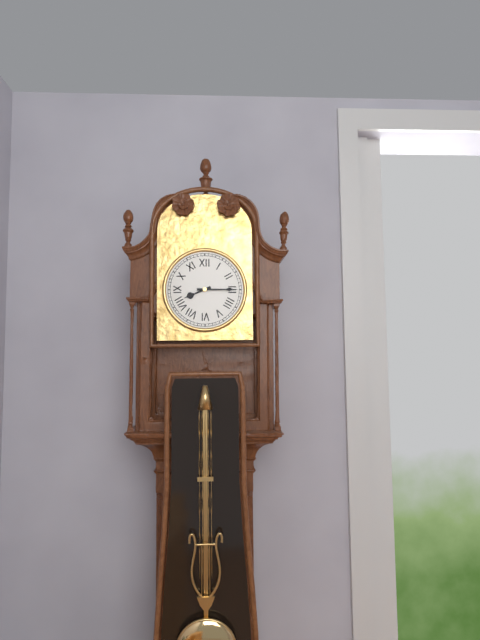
8:15
